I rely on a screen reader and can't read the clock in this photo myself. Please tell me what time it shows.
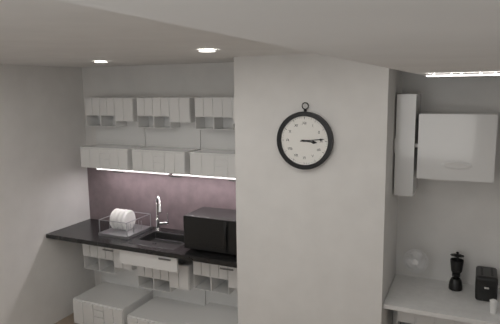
3:14
